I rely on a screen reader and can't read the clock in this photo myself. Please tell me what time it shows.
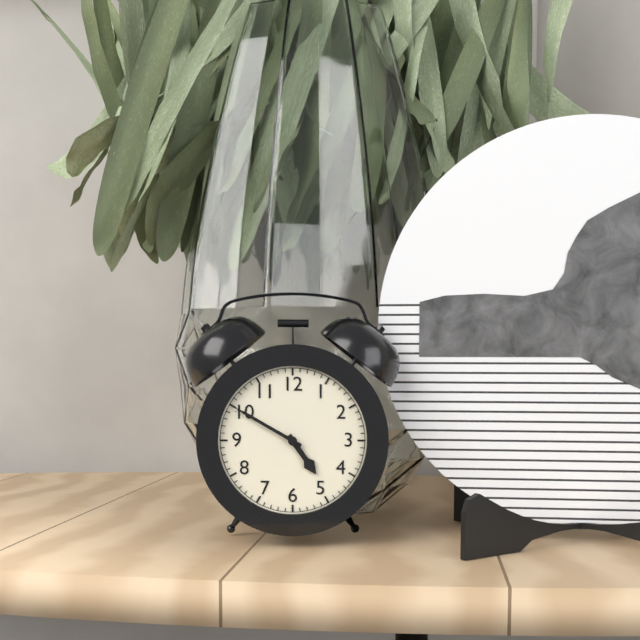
4:50
